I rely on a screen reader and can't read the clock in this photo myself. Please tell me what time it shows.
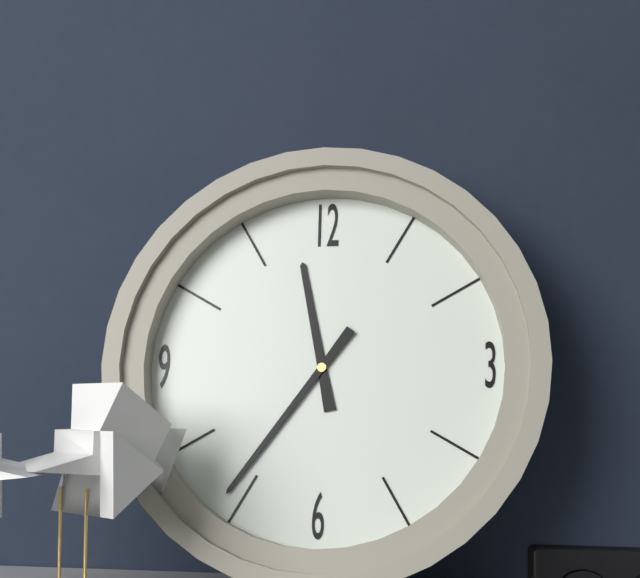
11:36
